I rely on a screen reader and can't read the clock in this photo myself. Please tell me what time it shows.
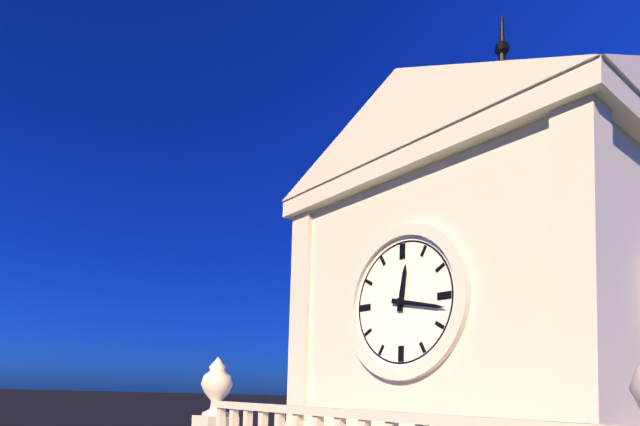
12:17
